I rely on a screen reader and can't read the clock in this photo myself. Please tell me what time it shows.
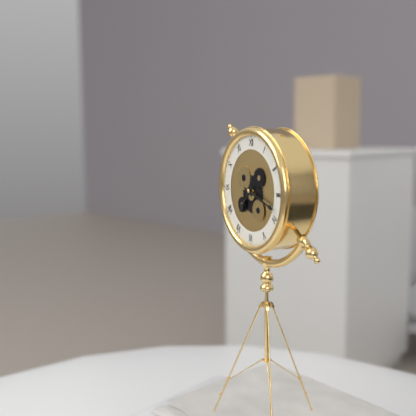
7:18
